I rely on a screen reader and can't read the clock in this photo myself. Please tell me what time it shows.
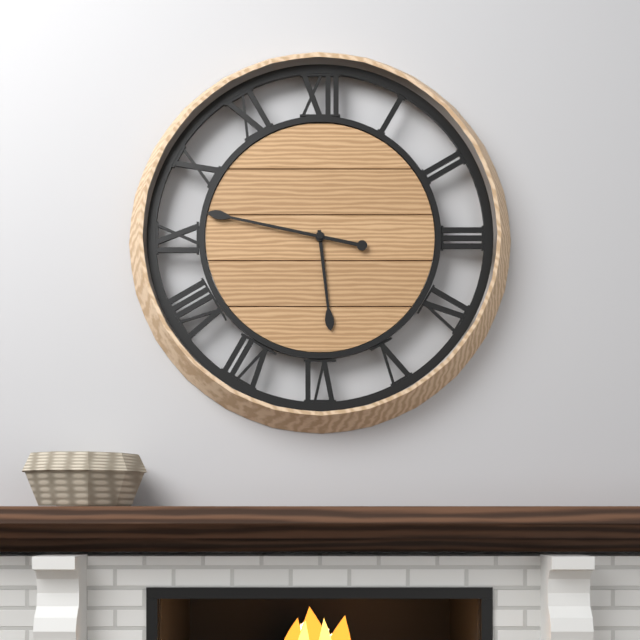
5:47
